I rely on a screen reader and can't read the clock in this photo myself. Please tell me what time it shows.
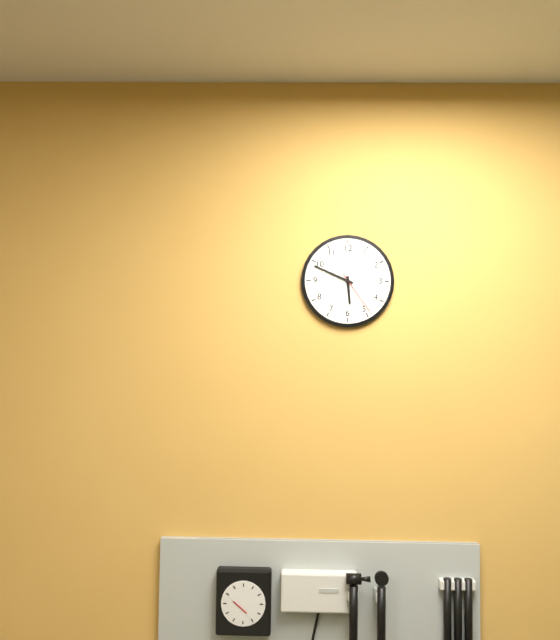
5:49
